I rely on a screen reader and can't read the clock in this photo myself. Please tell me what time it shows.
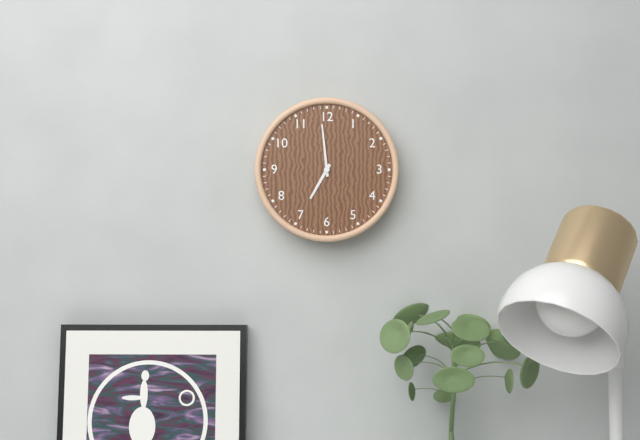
6:59
